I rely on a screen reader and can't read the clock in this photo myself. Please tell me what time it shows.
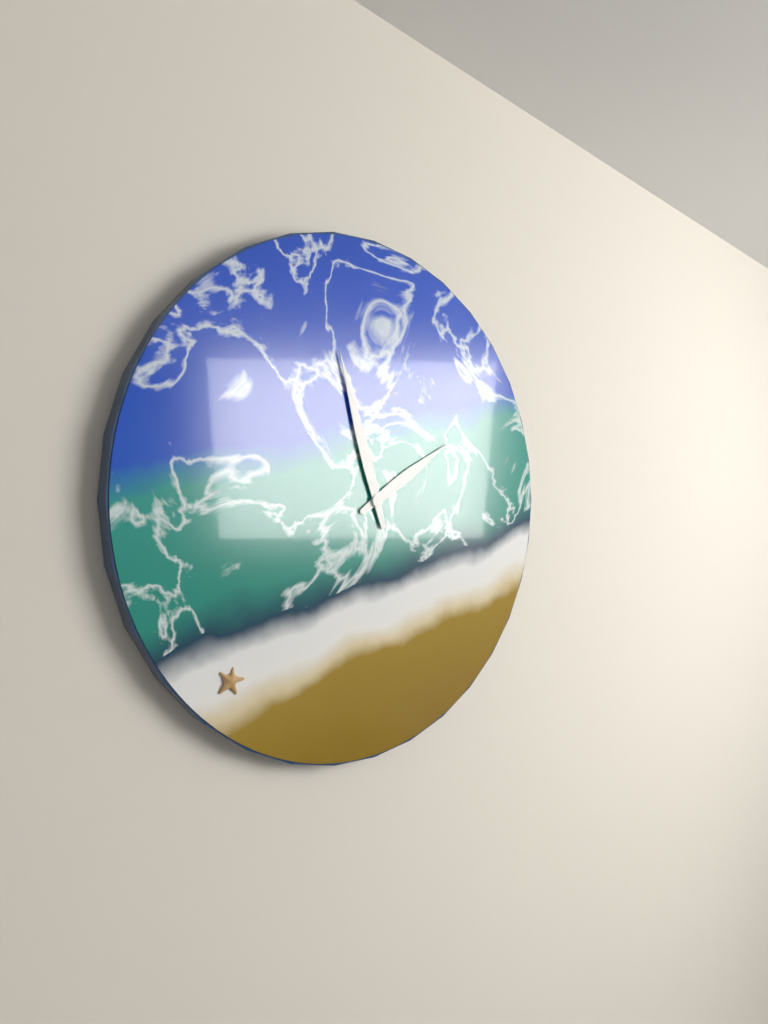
1:57
